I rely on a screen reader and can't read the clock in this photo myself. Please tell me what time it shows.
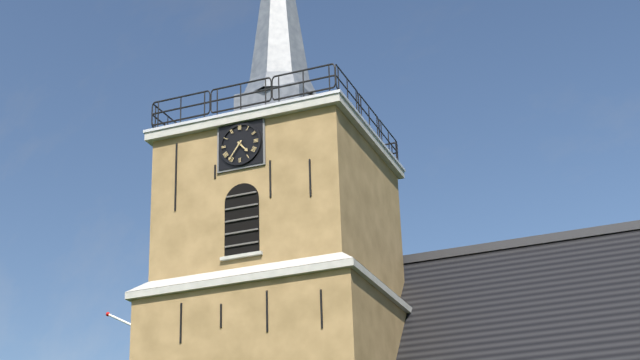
4:36
